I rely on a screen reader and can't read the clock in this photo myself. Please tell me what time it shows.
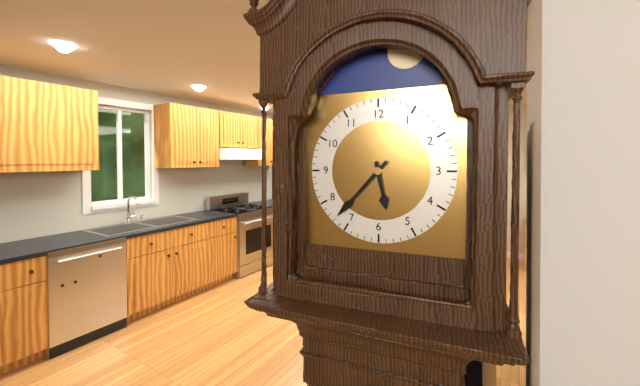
5:37
